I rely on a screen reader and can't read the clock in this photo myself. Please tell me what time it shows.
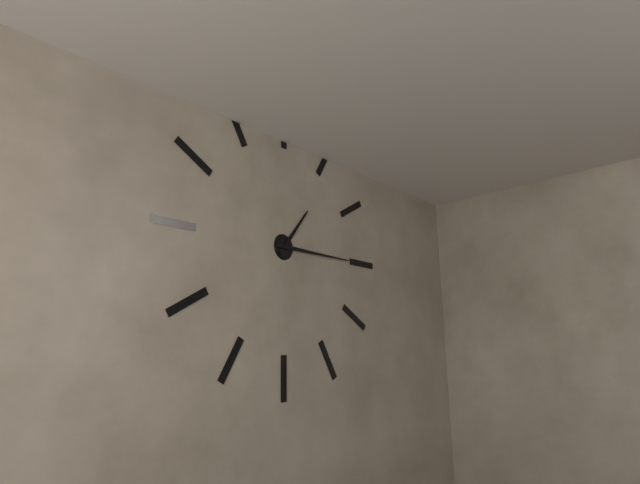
1:15
